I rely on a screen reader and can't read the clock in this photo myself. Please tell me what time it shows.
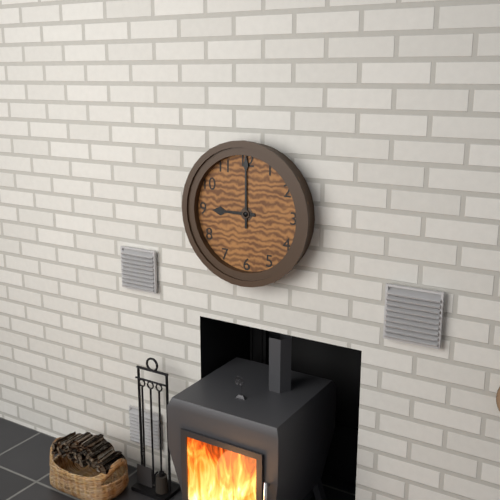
9:00
